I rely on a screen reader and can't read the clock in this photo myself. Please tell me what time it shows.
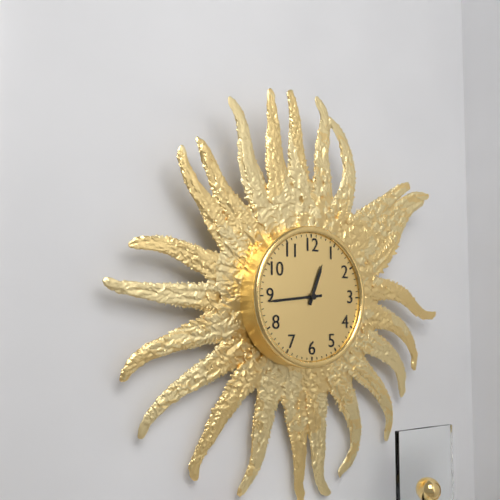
12:44
